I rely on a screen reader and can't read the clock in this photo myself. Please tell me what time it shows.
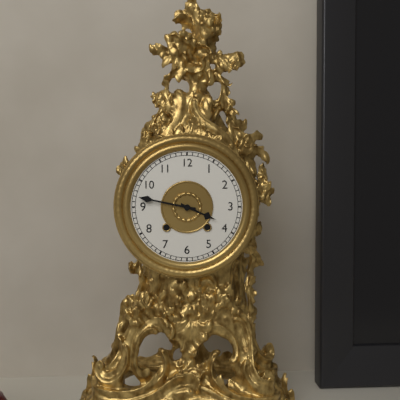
3:47
